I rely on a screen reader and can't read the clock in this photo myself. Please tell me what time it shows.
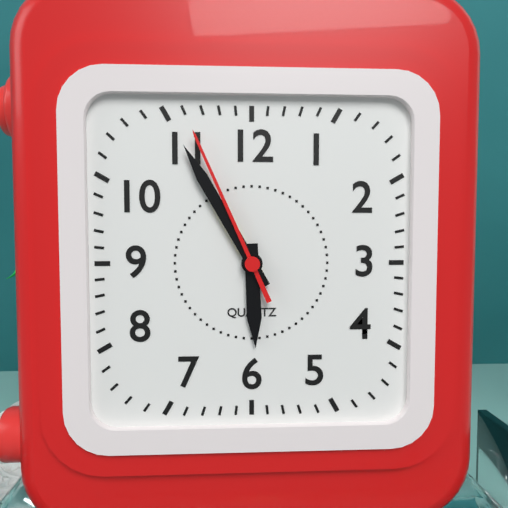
5:55:56
